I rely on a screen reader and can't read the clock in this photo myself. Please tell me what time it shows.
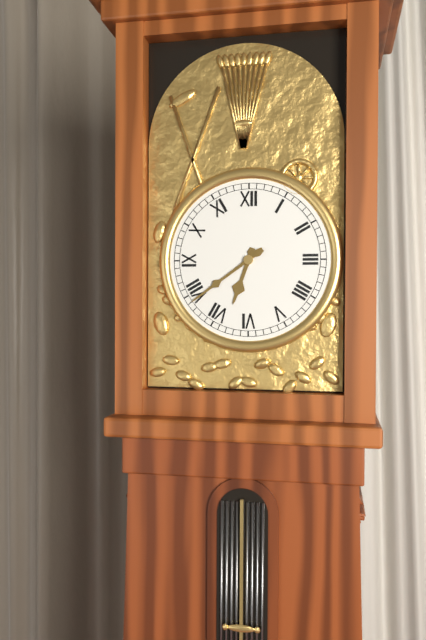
6:39
